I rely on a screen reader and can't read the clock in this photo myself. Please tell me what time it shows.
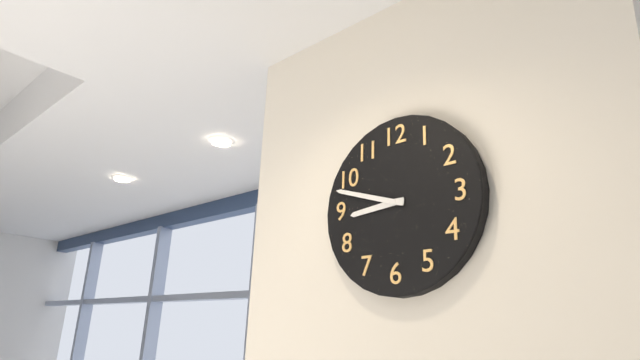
8:48
